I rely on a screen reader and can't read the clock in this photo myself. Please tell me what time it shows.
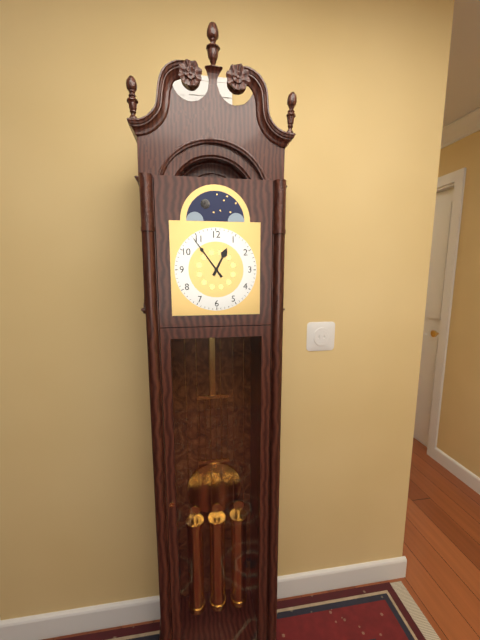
12:54
